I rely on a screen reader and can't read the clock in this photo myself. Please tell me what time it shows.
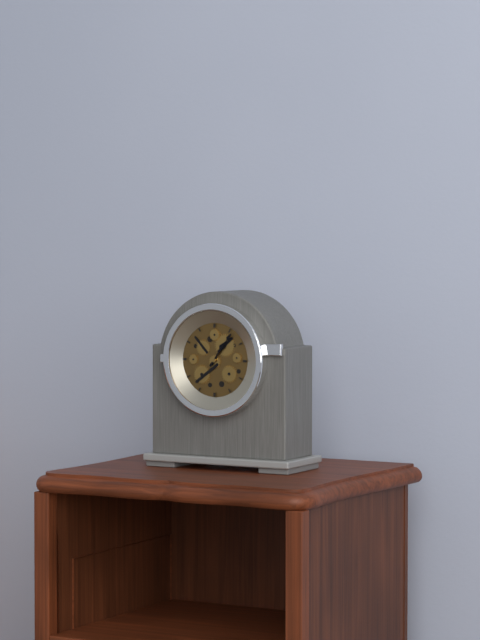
1:06
